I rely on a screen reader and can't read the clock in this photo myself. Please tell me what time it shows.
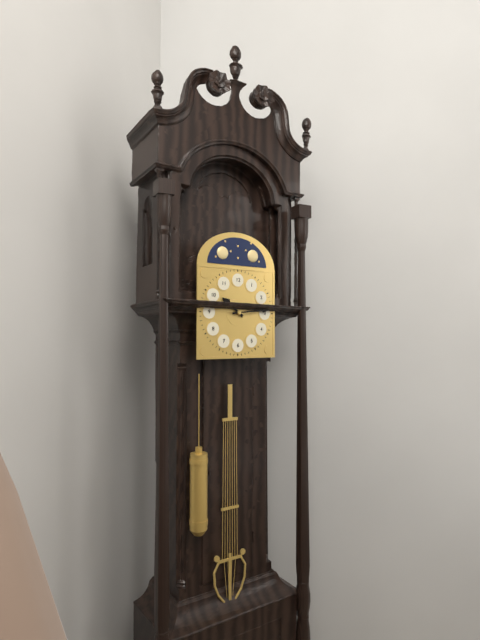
10:14
